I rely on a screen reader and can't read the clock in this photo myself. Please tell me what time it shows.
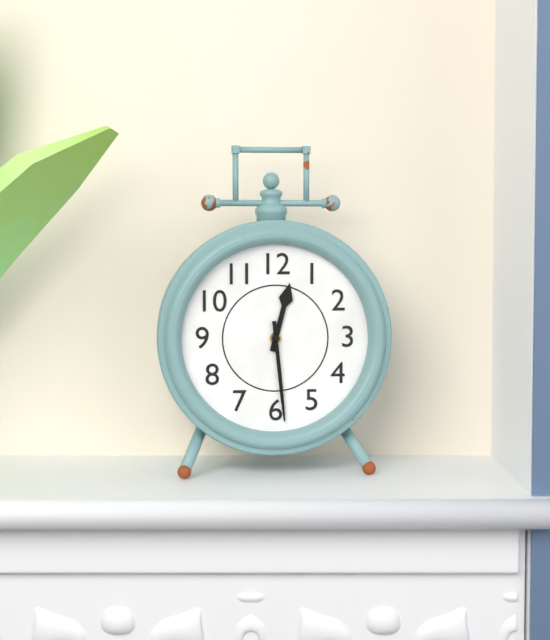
12:29
